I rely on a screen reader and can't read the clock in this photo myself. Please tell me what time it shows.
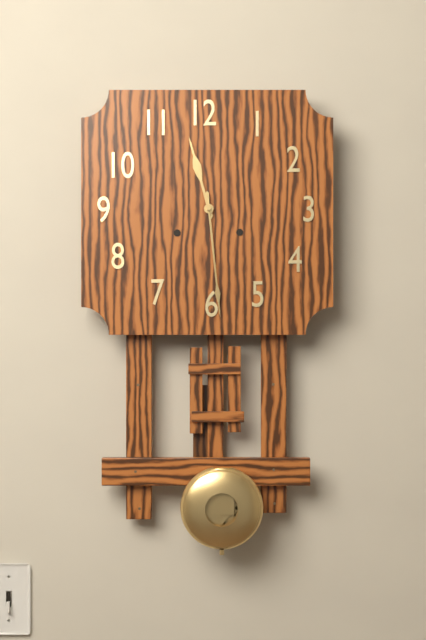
11:29
